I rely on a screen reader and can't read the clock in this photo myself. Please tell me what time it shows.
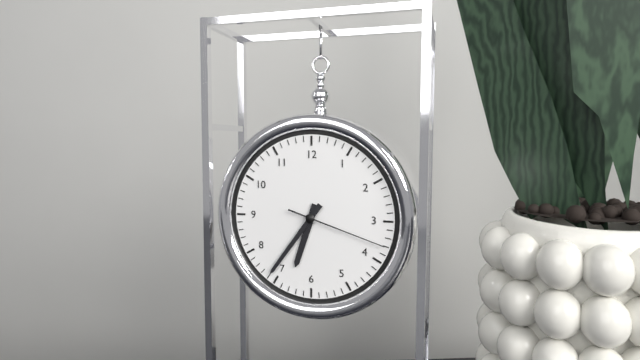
6:36:18
